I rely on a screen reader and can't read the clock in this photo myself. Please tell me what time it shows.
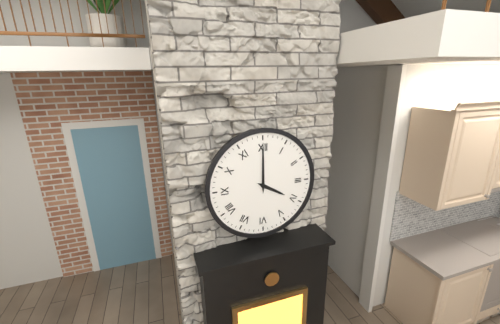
4:00
